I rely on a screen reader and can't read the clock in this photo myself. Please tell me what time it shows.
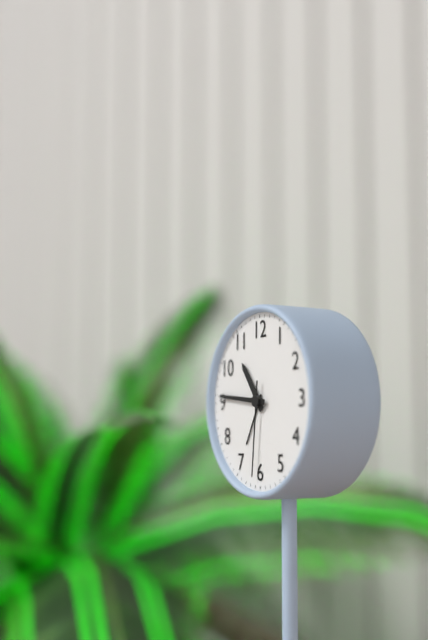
10:46:31
